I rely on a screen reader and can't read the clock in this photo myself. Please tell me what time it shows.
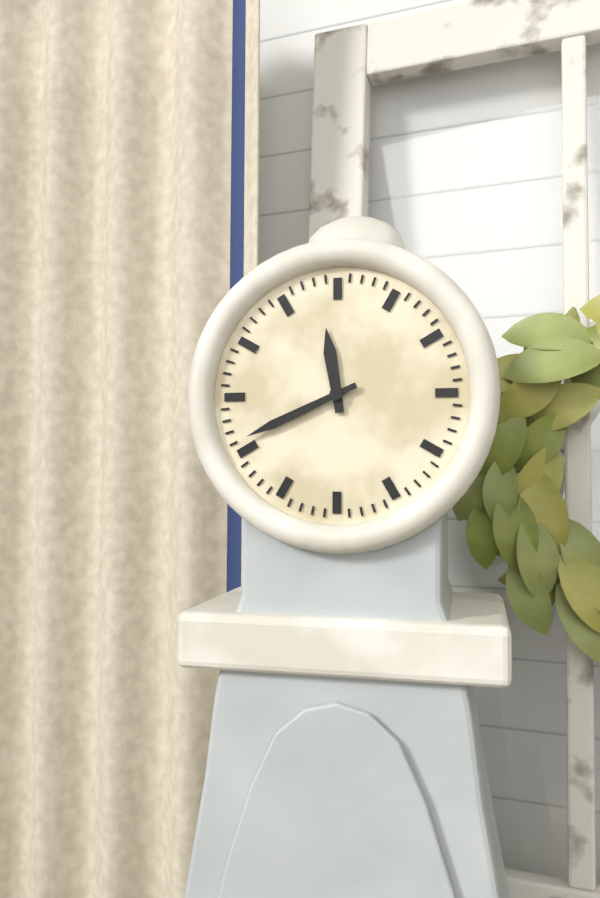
11:41
